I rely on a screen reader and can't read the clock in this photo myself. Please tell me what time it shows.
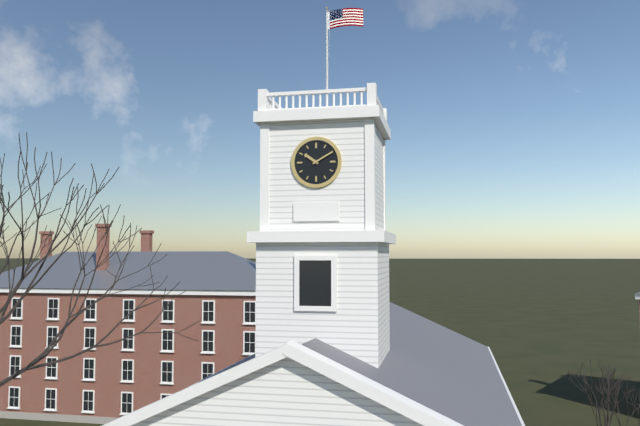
10:10
